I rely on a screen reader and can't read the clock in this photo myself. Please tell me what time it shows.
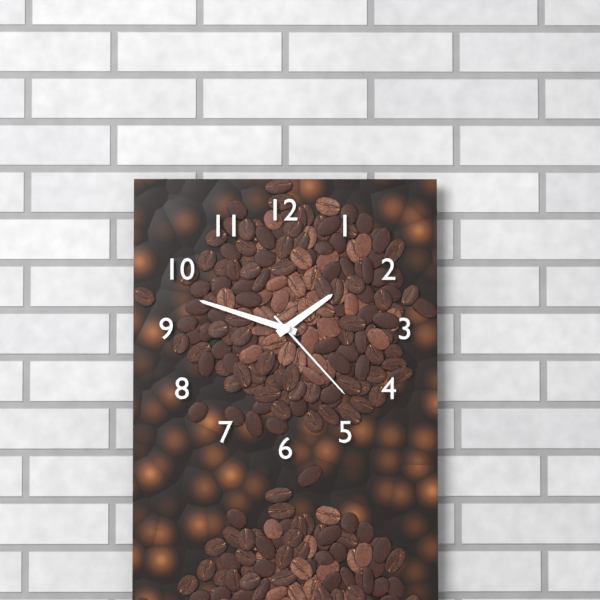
1:48:23
